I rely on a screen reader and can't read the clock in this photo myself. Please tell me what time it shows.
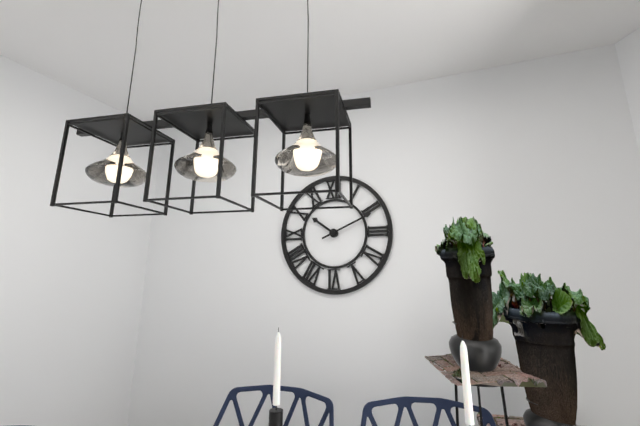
10:11
